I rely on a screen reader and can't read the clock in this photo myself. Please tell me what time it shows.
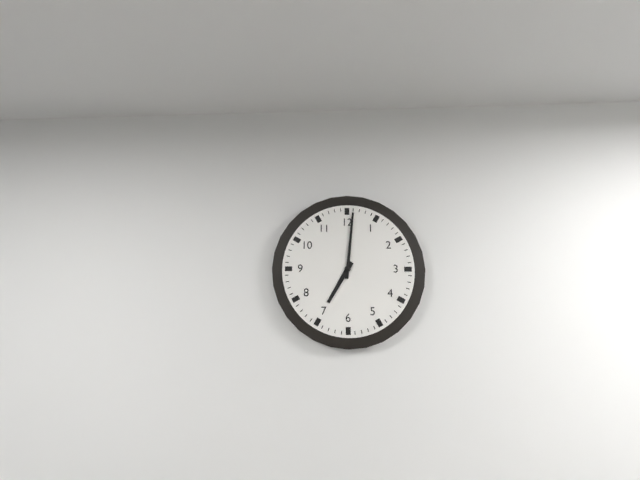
7:01
